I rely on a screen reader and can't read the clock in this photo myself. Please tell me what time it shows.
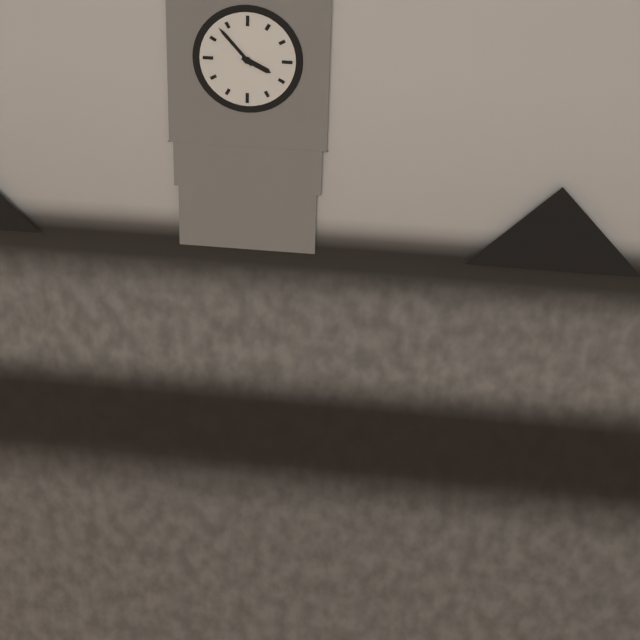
3:53
